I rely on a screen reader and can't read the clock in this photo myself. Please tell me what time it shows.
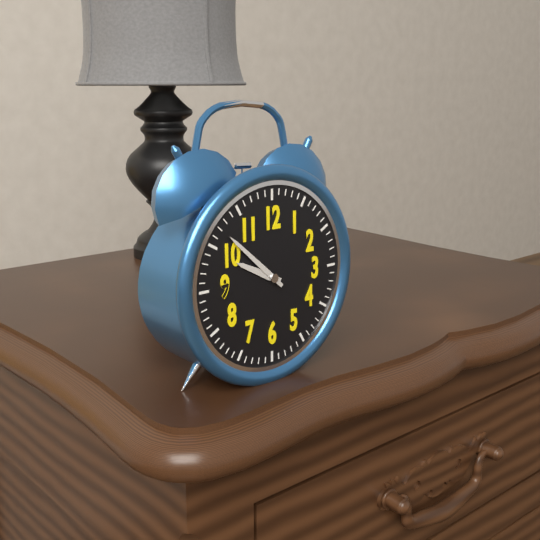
9:52
